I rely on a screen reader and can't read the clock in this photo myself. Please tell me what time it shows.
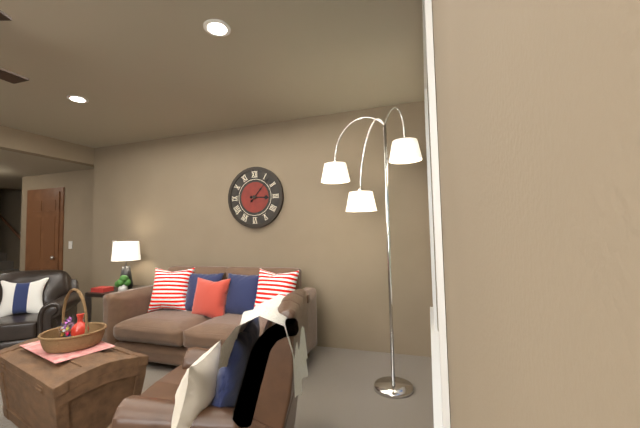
3:07
